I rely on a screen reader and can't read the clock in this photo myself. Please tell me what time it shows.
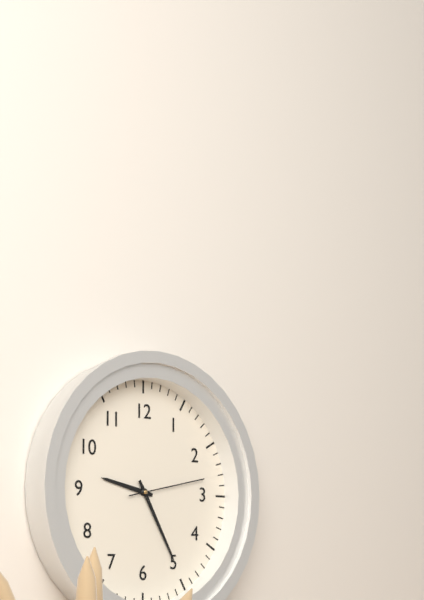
9:25:13
